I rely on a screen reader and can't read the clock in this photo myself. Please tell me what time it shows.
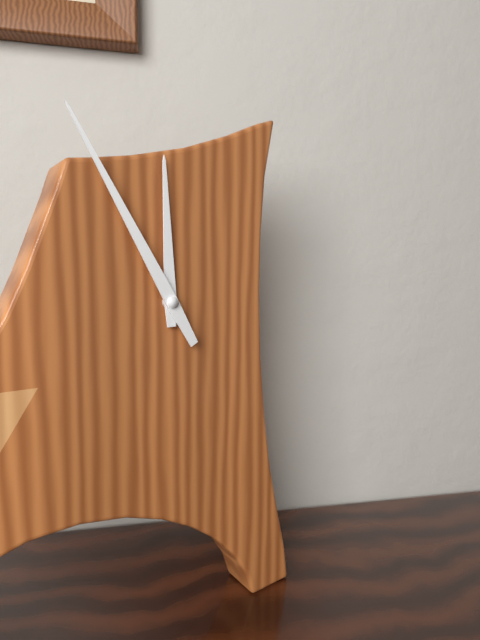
11:55
